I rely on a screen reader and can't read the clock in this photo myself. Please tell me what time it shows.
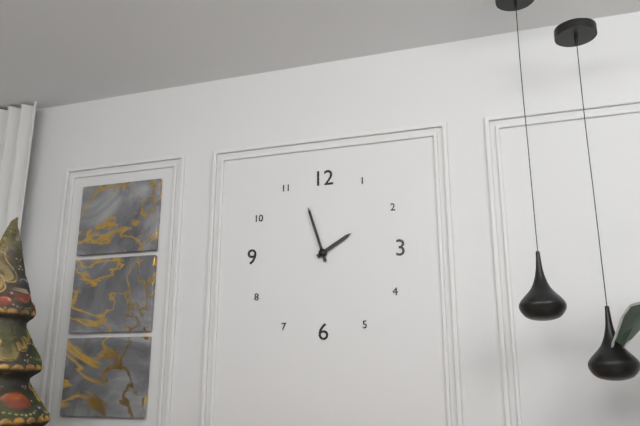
1:57
